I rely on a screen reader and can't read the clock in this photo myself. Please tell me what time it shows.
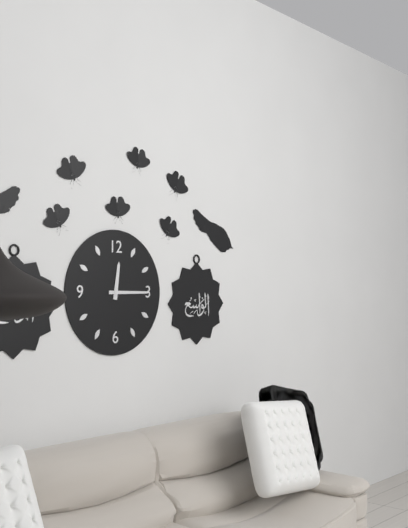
12:15
